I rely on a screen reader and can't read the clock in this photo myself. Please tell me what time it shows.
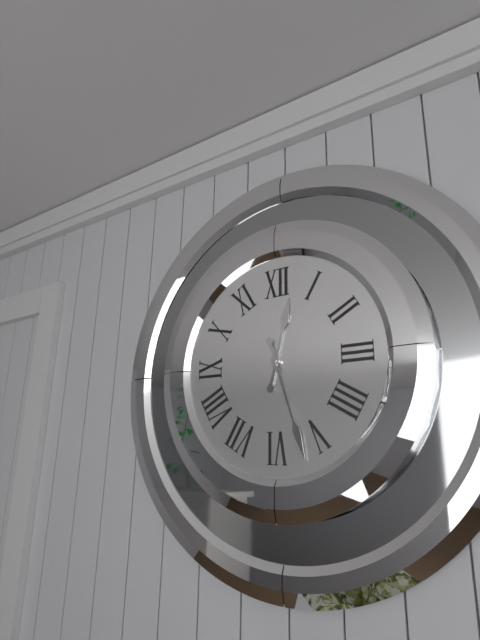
12:27
